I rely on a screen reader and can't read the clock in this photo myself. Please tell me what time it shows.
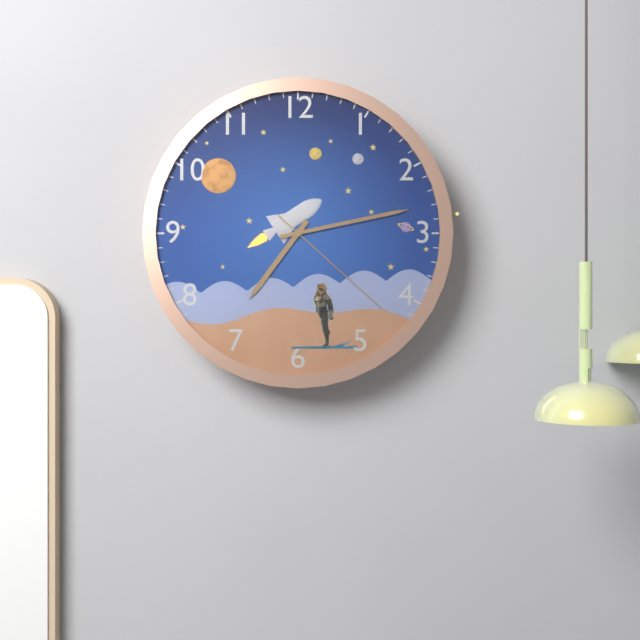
7:13:22
